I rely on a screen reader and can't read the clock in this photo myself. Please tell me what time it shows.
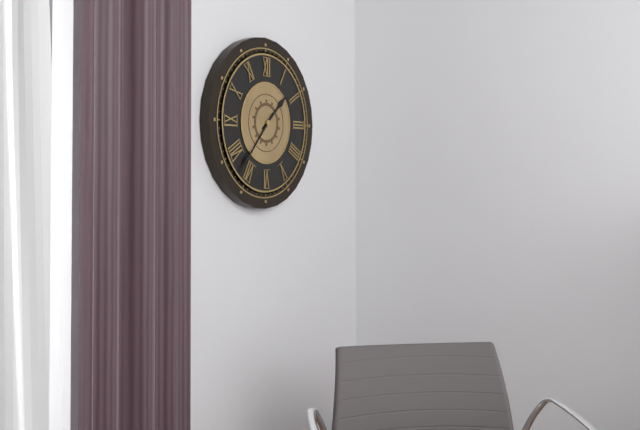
1:37
